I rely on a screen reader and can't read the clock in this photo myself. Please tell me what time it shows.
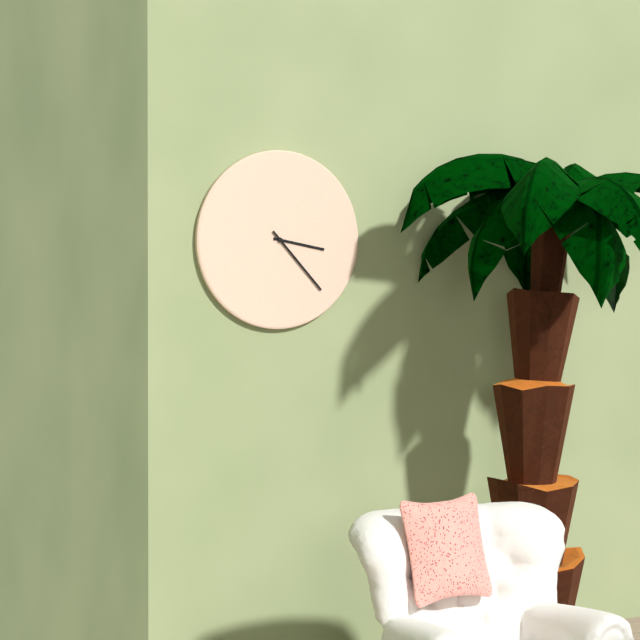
3:23
